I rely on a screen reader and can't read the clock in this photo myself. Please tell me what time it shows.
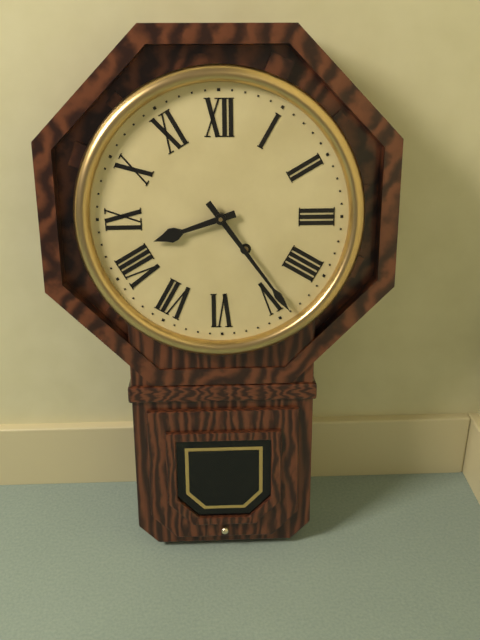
8:24
